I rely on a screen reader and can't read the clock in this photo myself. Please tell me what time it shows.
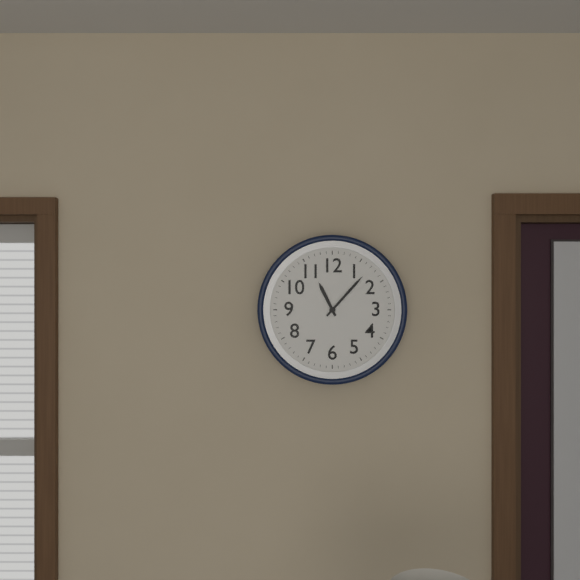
11:07
